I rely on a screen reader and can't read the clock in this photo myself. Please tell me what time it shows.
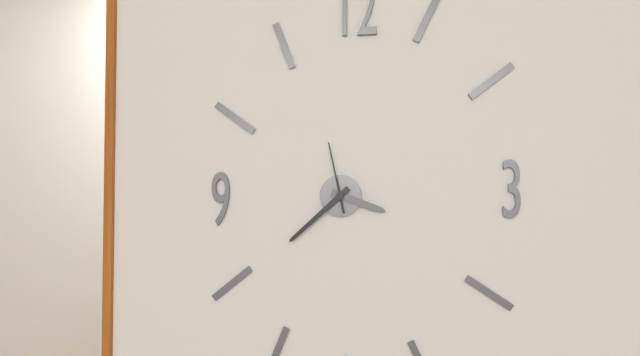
3:38:58
